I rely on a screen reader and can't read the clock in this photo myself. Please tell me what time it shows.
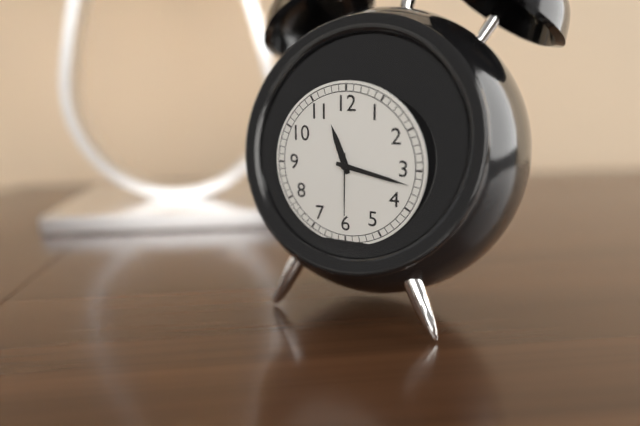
11:17:30
